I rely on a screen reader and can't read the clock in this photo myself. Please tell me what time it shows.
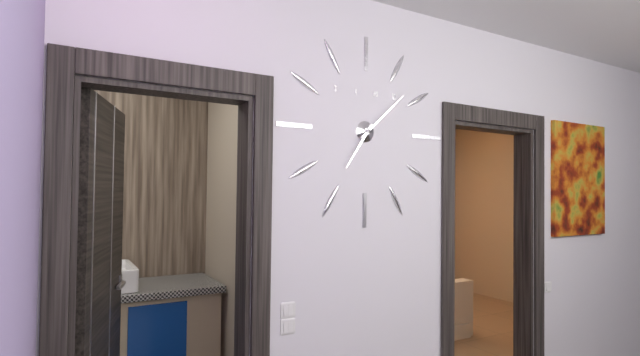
7:08
